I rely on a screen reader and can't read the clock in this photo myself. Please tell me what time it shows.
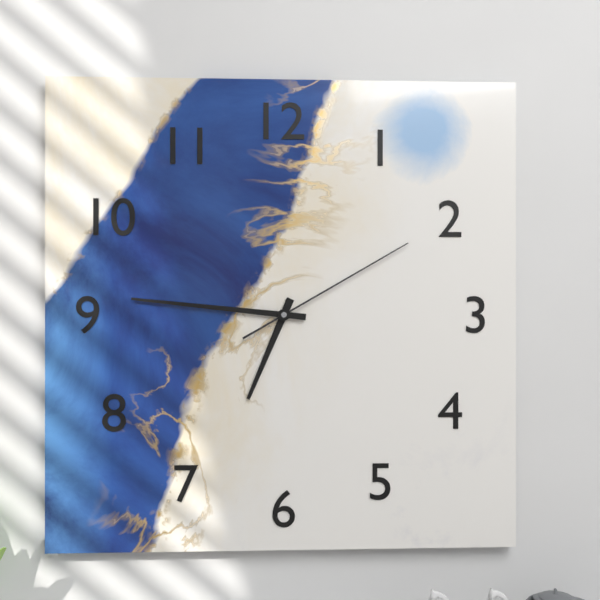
6:46:10
